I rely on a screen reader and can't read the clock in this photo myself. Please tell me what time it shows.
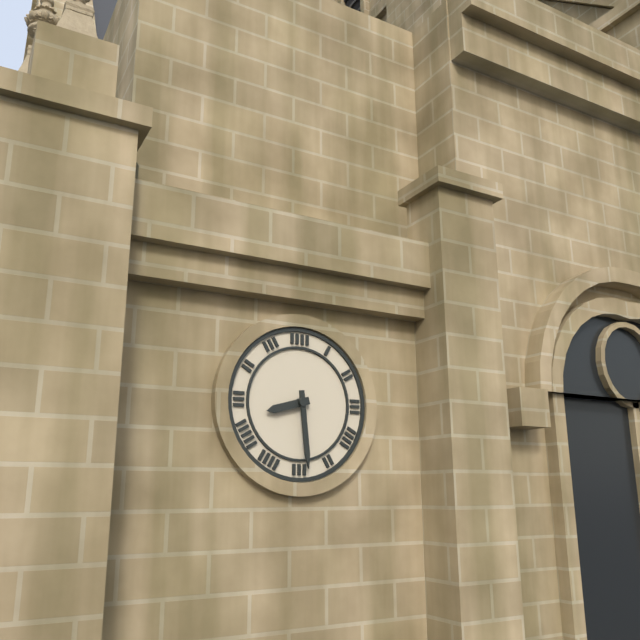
8:29
